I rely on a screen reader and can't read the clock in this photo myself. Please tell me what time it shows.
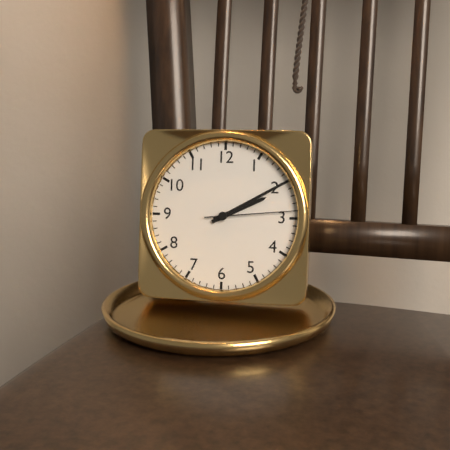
2:10:14
